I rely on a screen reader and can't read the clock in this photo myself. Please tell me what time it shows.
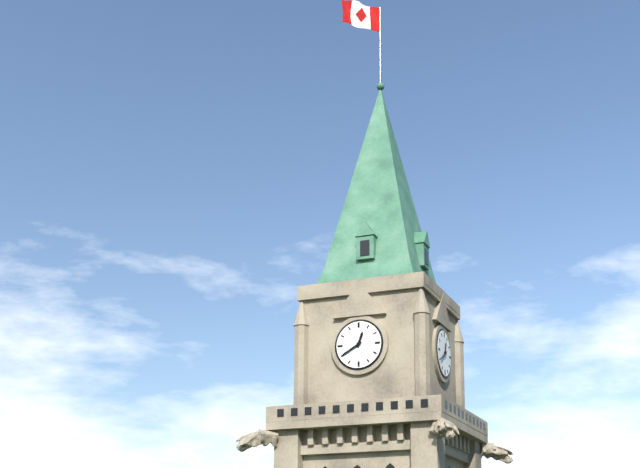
12:40
